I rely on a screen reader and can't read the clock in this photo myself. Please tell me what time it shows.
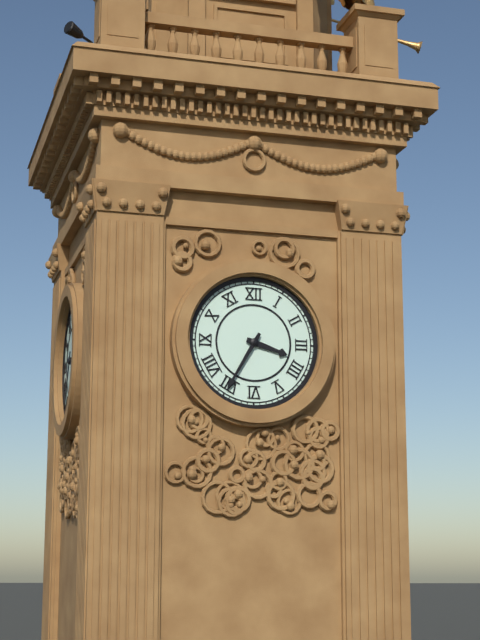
3:35
